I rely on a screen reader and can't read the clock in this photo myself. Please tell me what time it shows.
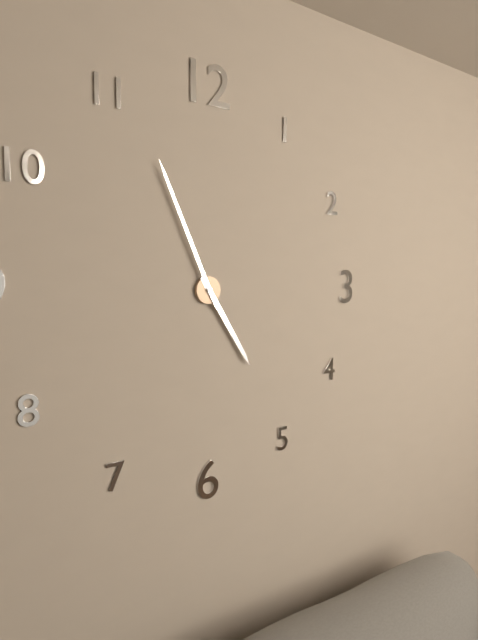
4:56
